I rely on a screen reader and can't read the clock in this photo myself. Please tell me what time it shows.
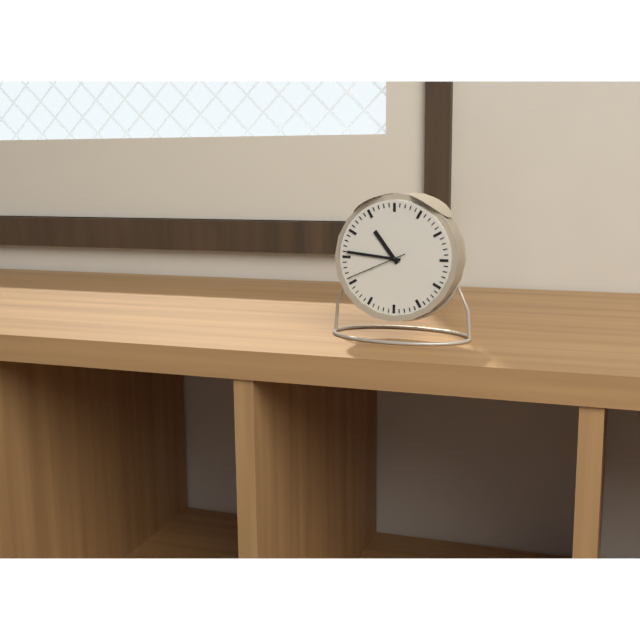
10:46:41
